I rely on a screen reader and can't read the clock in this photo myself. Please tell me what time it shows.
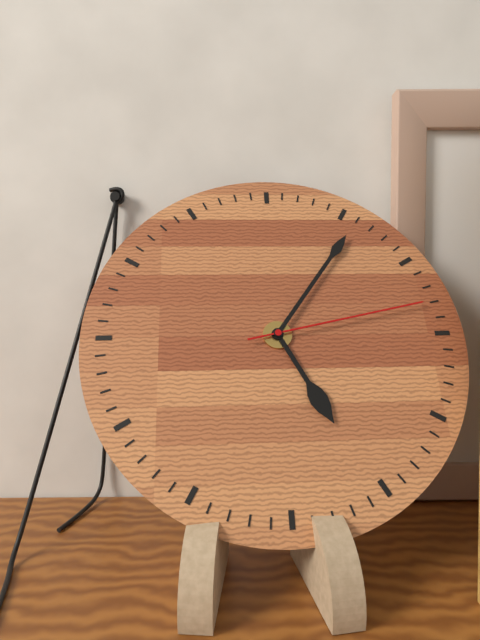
5:06:13
